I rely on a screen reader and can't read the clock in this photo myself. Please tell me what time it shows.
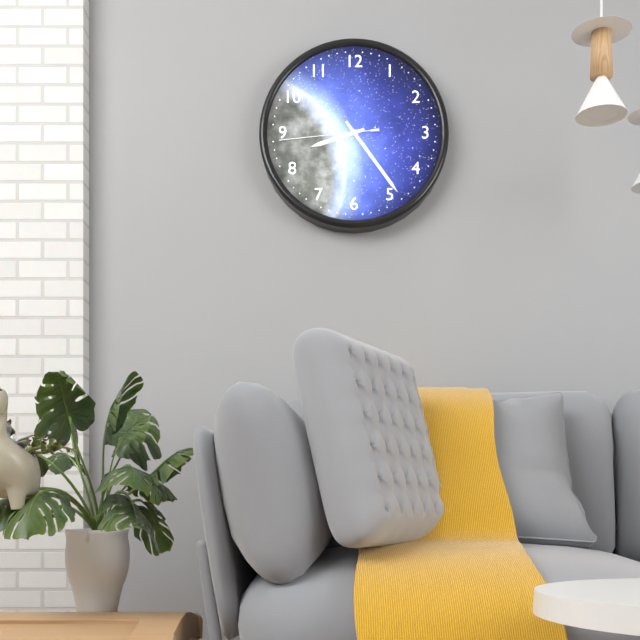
8:24:44
